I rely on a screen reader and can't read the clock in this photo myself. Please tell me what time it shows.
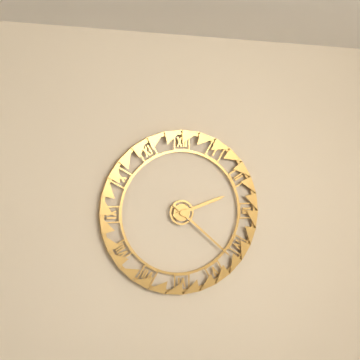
2:22
